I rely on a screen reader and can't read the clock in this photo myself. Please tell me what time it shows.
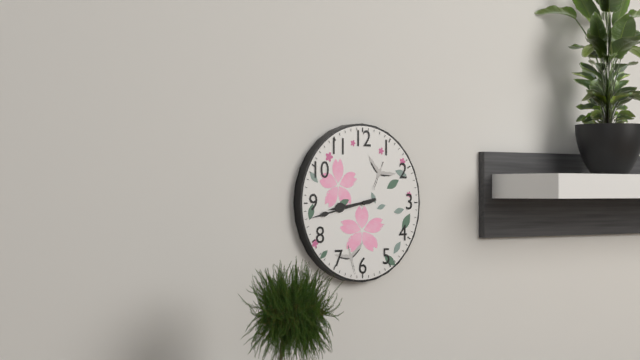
8:43
